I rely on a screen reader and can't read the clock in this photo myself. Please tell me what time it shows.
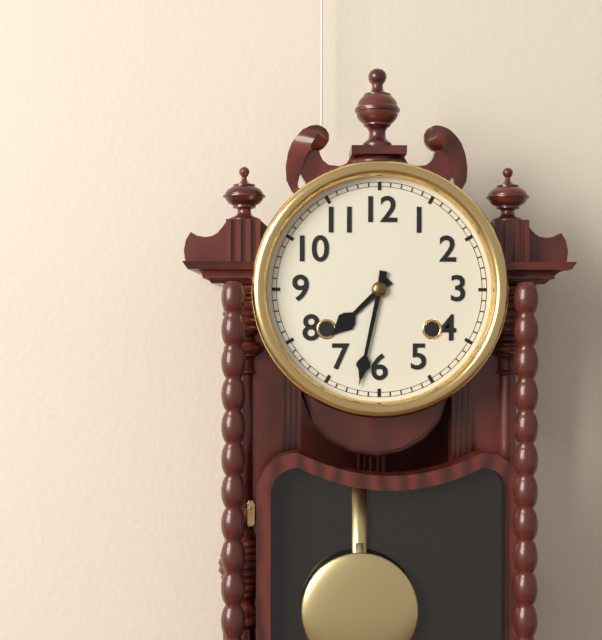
7:32
